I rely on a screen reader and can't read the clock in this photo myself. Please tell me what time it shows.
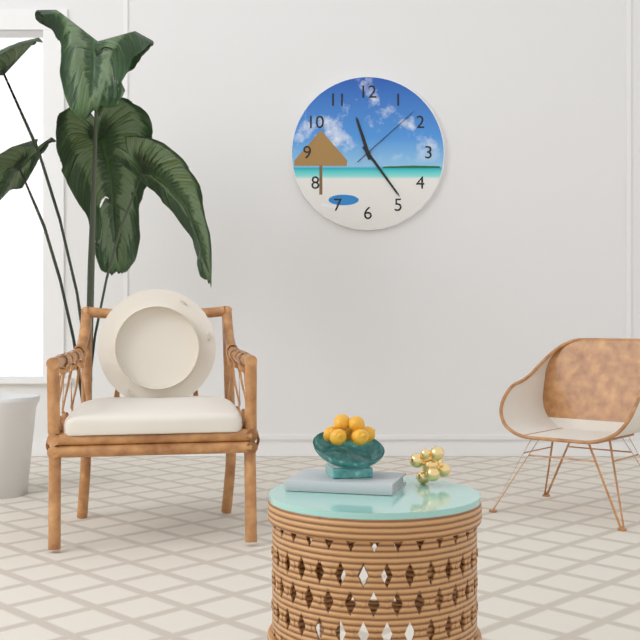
11:24:08
